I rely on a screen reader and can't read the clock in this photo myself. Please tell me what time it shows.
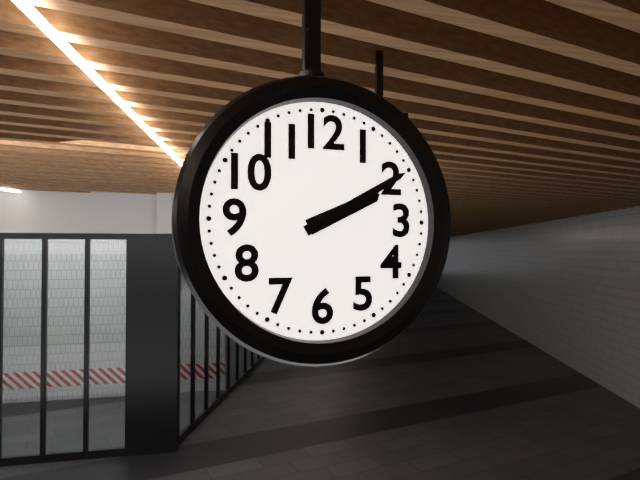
2:10
